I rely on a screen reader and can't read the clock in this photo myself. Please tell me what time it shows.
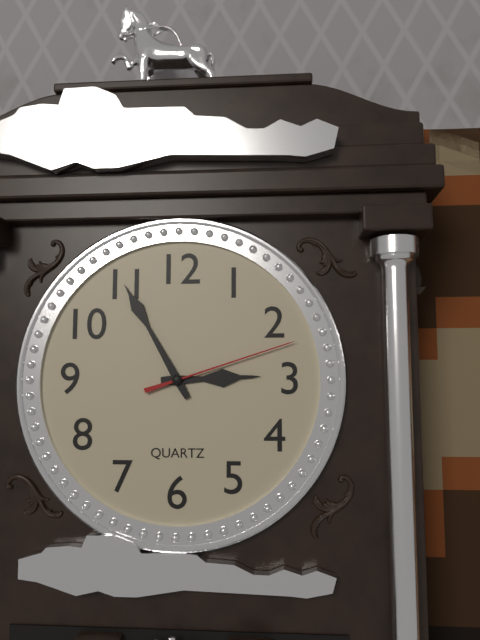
2:55:12
